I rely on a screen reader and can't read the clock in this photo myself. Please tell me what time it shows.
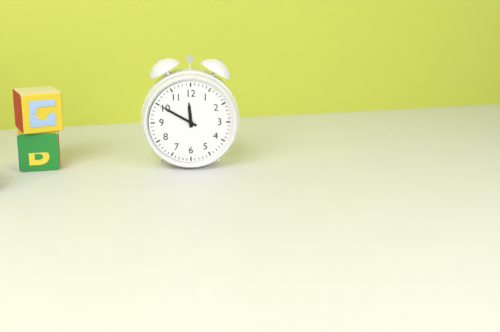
11:50
